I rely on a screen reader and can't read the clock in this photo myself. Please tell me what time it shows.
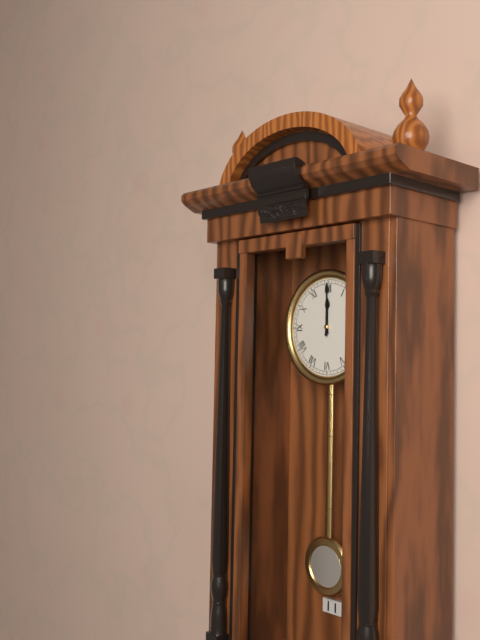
12:00
